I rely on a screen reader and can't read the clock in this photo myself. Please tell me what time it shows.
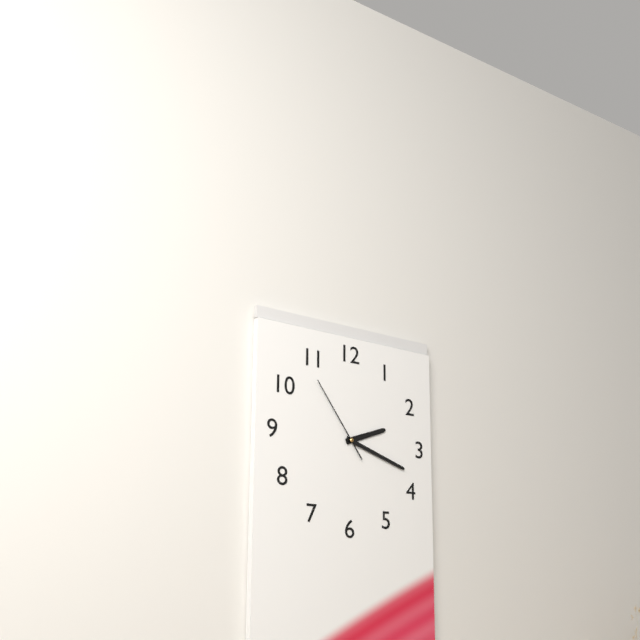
2:18:54
